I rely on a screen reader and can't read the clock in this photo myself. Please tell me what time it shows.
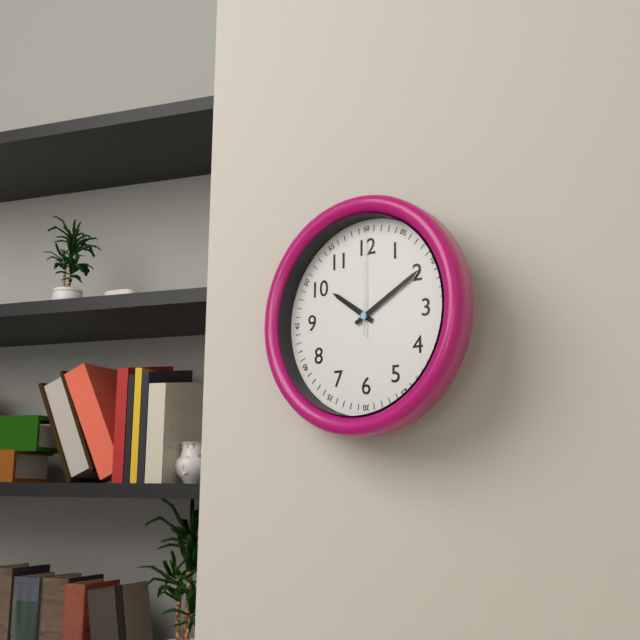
10:10:00
